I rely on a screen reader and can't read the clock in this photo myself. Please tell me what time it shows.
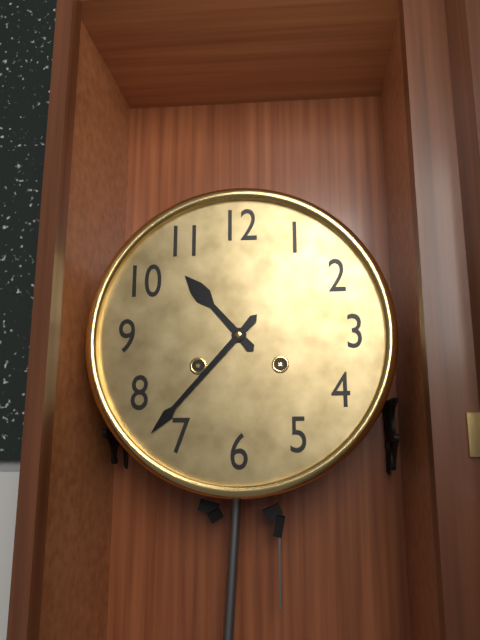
10:37
